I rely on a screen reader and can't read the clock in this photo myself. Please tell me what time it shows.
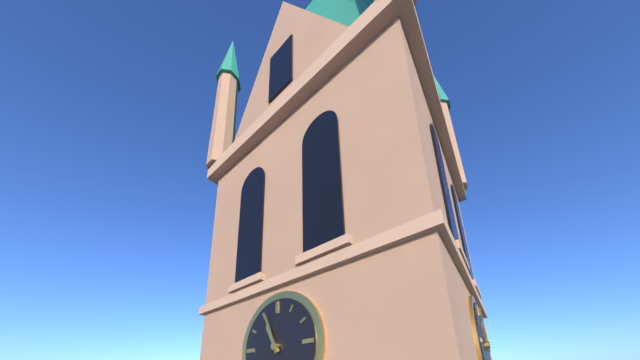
10:56
